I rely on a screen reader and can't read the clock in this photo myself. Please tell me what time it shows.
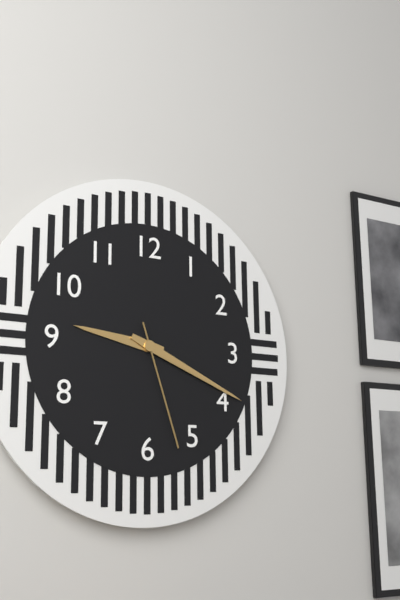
9:19:27
